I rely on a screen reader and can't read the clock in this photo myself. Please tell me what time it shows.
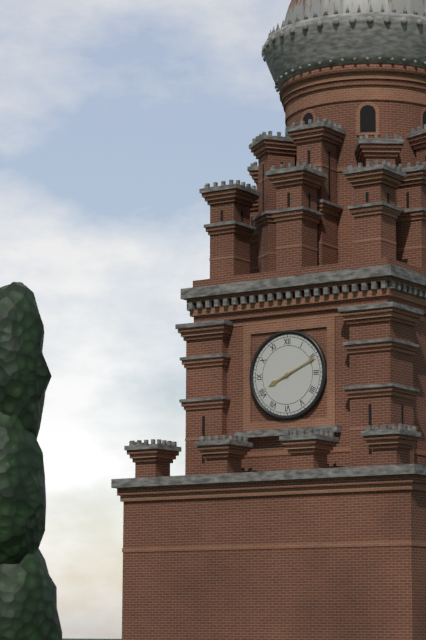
8:11
